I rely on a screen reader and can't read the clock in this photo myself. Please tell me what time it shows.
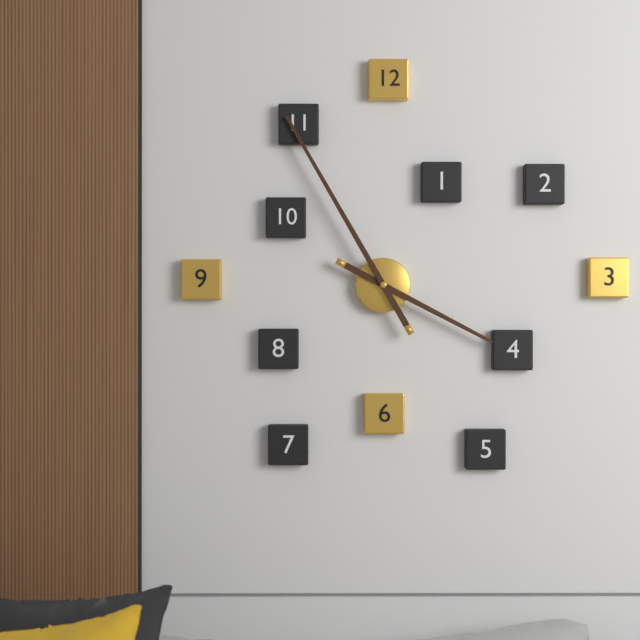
3:55
